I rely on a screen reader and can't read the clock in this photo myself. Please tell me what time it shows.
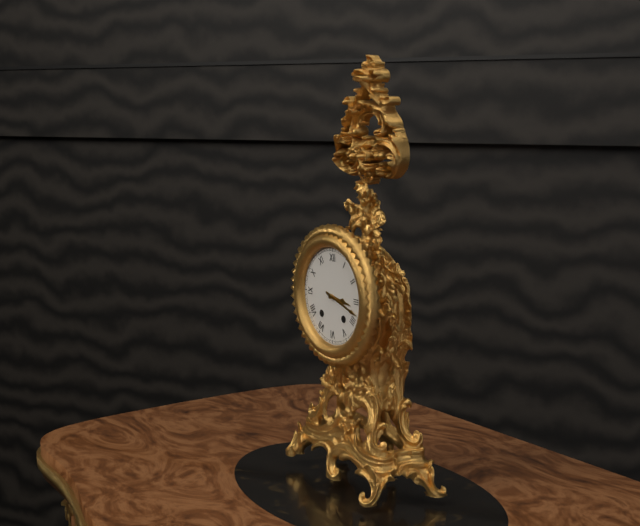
3:18
